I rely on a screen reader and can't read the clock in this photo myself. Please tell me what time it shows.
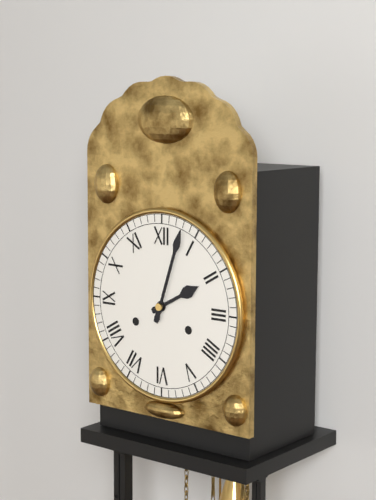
2:03
